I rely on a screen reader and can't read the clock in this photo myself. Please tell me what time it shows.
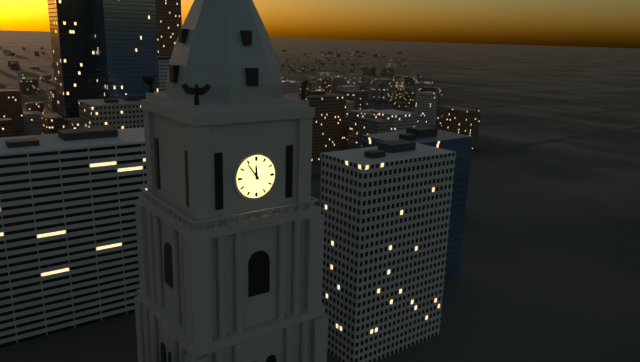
11:54
